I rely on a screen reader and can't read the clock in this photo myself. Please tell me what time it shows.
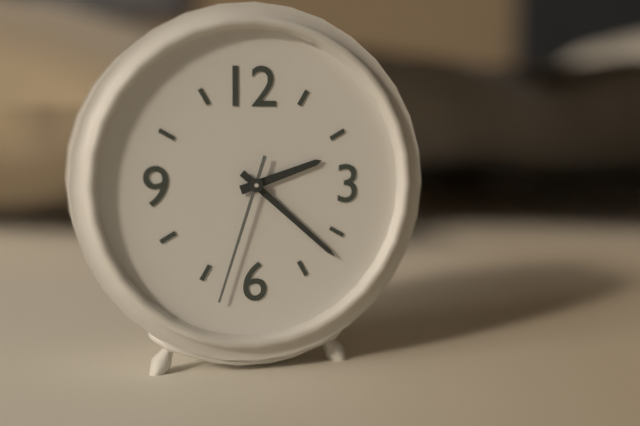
2:22:33
